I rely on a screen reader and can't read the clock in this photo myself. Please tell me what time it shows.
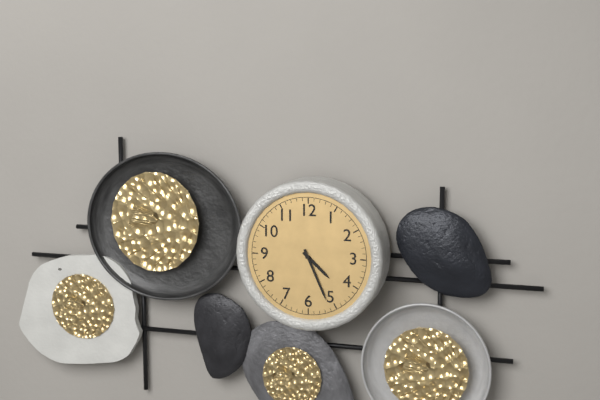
4:26
